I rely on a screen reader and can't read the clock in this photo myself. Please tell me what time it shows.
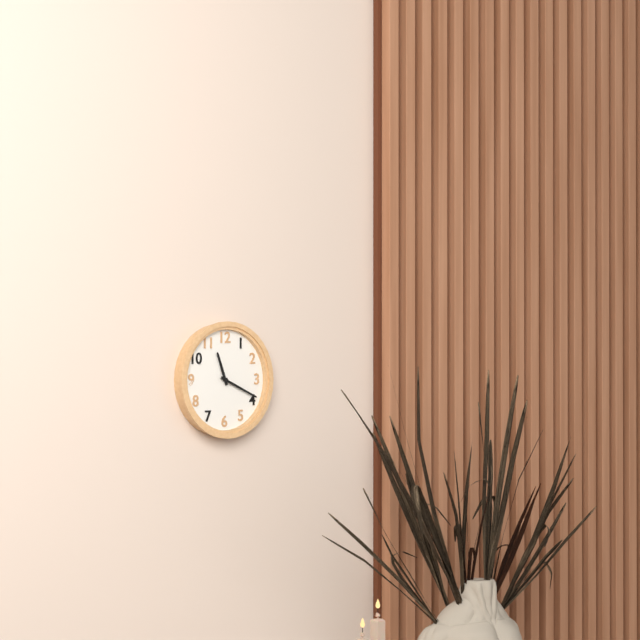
11:19
